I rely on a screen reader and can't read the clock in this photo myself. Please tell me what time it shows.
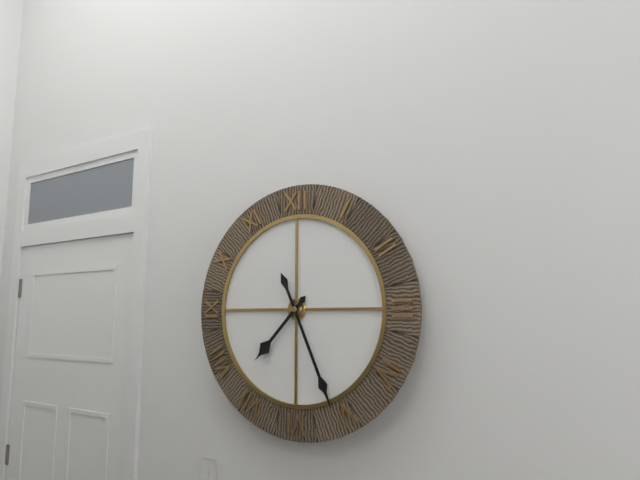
7:26
